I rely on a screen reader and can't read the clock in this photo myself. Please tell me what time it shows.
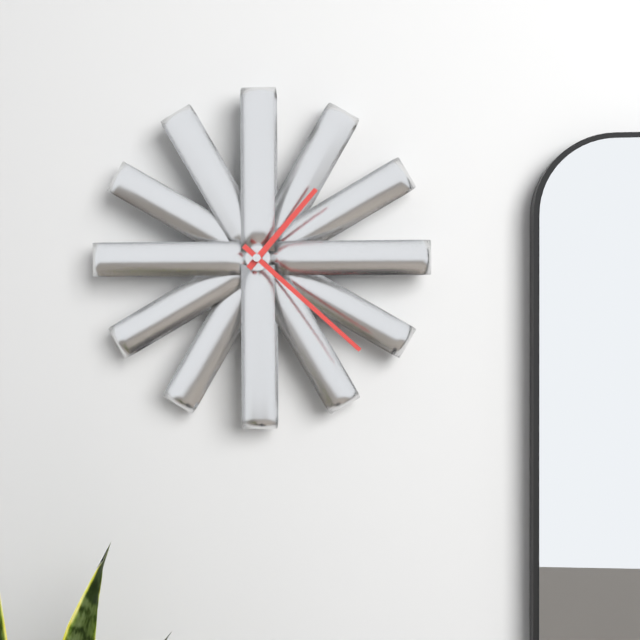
1:22
